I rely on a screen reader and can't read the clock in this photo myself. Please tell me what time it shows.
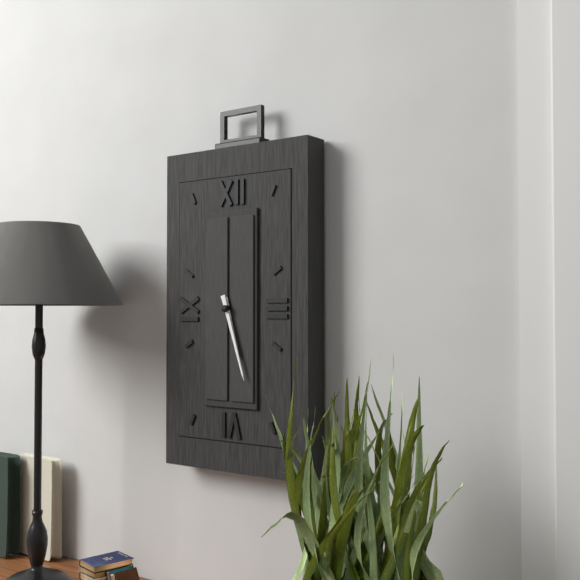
5:27
